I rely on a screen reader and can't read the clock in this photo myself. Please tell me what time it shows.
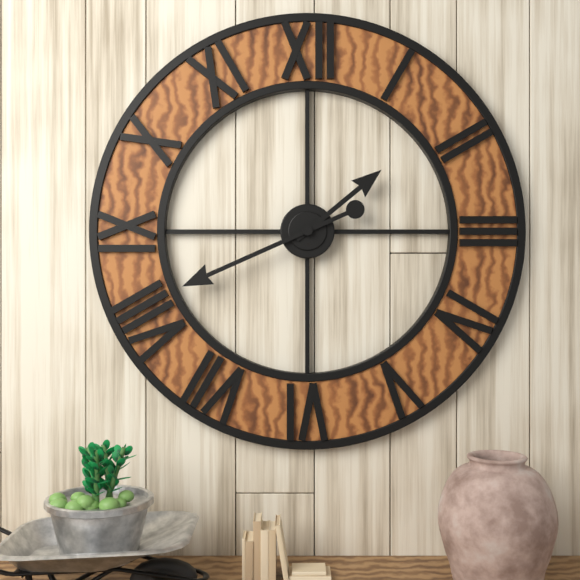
1:41
